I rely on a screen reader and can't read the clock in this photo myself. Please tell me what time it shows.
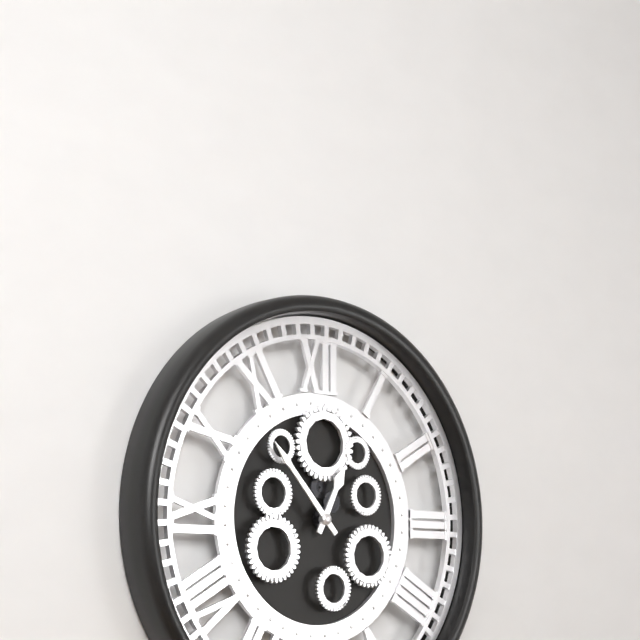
12:53
